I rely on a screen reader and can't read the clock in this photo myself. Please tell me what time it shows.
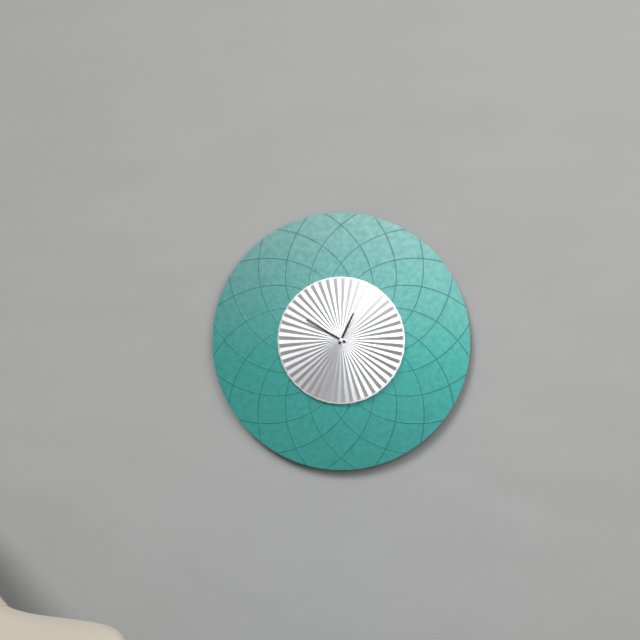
12:50
